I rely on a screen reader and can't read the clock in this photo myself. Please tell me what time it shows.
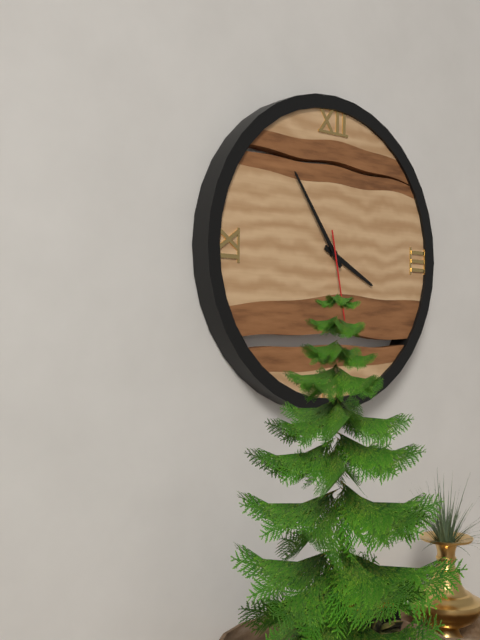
3:54:28
